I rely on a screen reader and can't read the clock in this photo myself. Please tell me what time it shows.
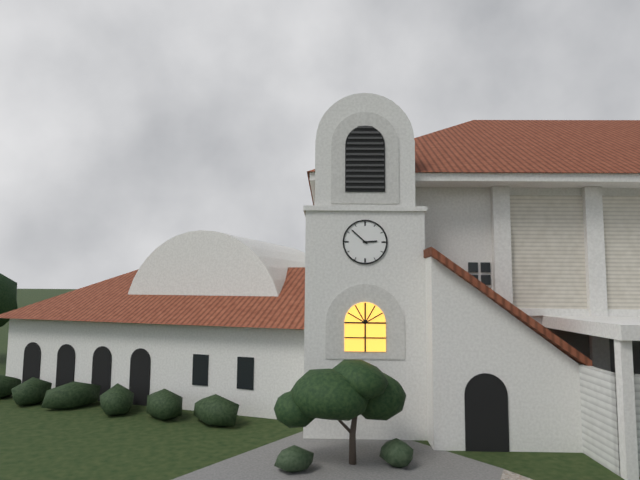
2:52
